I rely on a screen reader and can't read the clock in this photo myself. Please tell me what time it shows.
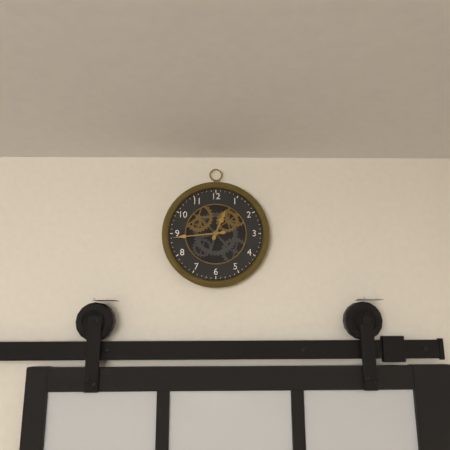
12:44
